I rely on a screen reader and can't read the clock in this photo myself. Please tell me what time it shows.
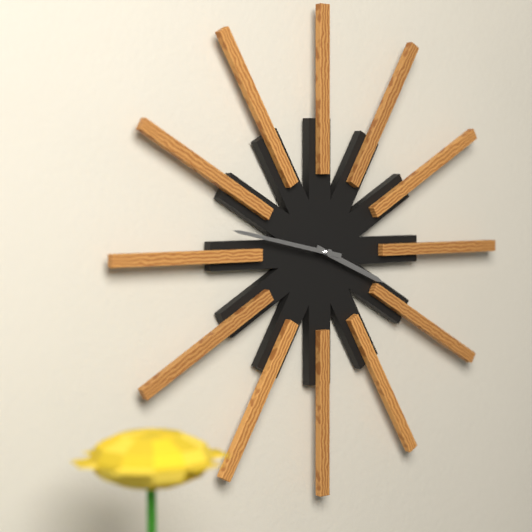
3:47
